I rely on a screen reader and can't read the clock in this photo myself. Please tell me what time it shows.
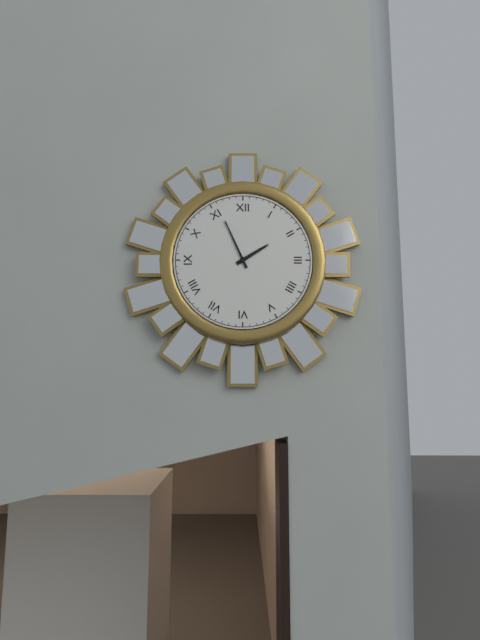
1:56
